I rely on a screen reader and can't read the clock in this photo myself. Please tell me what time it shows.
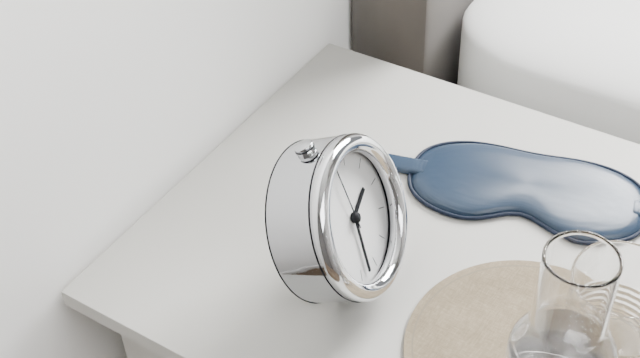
2:33:01
